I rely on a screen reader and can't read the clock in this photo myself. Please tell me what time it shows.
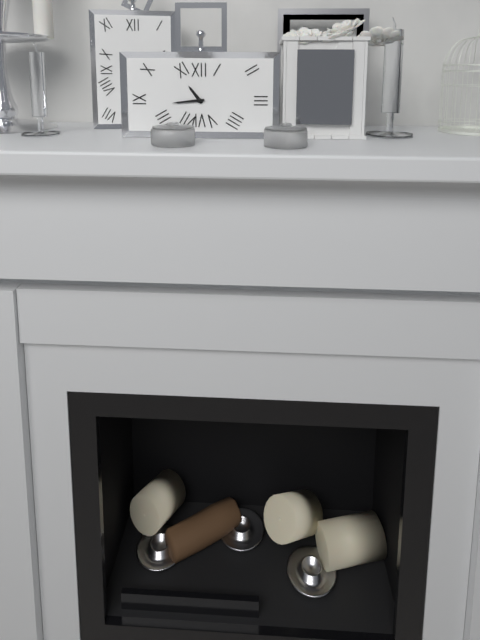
10:44
